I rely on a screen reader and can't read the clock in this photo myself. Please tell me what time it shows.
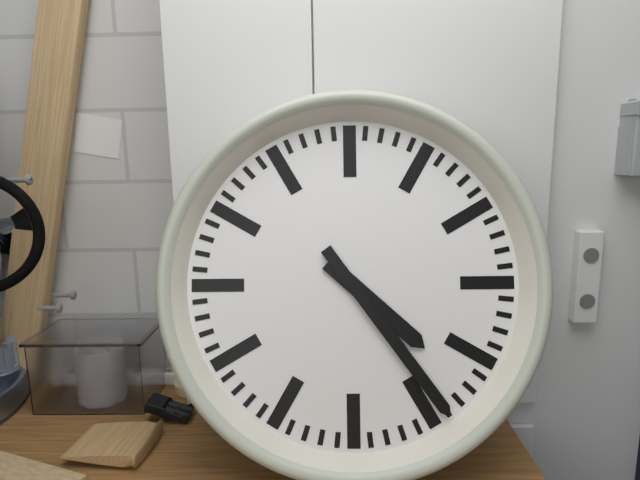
4:24
